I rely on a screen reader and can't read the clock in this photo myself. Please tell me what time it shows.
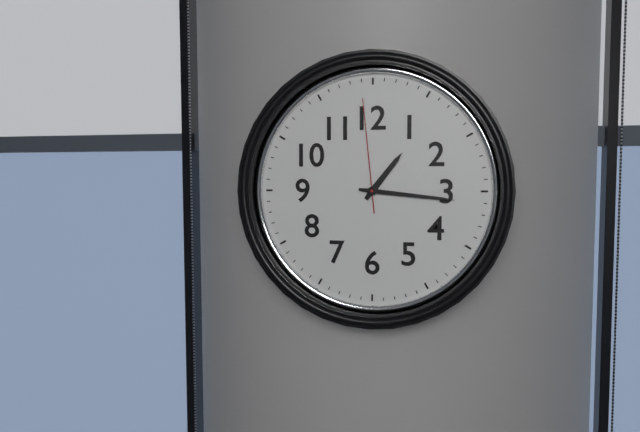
1:16:59
